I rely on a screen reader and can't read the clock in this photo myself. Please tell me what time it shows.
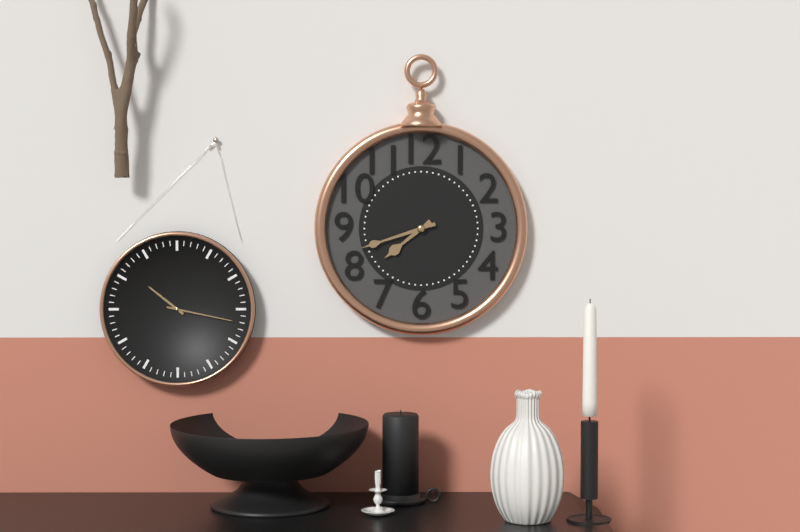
7:42
